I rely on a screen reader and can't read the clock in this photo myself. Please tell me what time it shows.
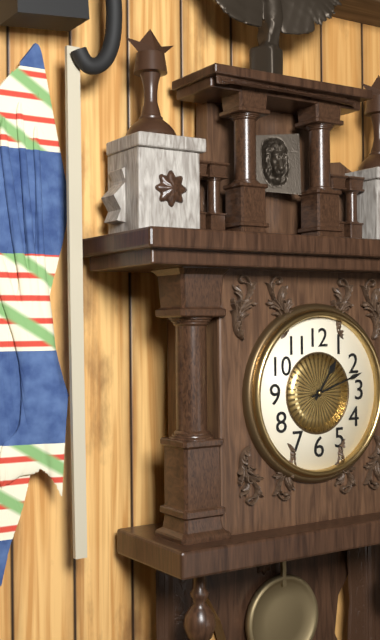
1:12
